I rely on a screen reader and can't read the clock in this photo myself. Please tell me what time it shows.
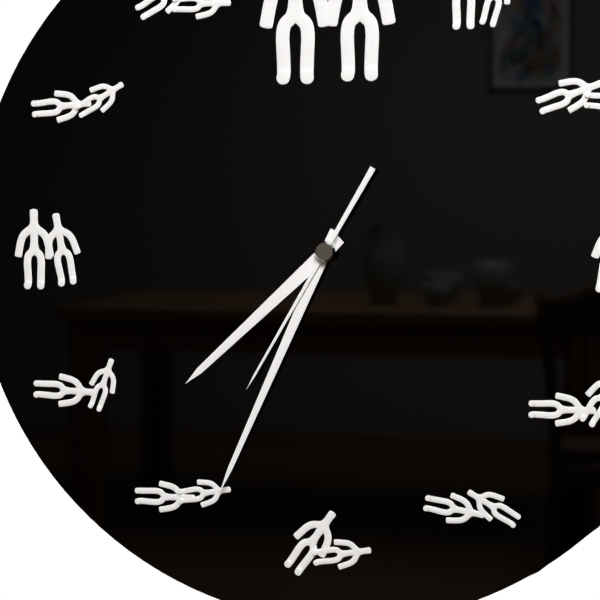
7:34:35
